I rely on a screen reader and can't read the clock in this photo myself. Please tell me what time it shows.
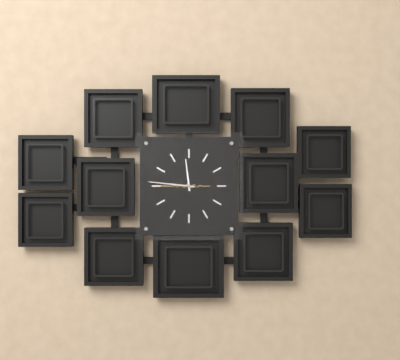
11:46
